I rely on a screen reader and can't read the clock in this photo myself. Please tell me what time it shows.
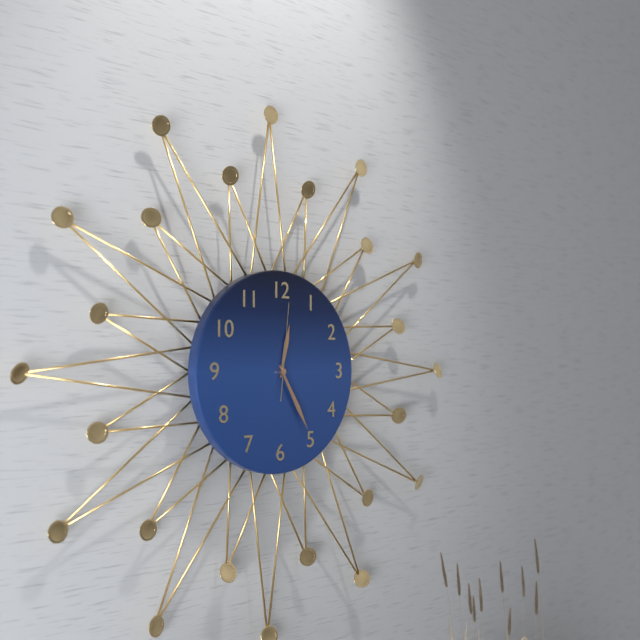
12:25:01
